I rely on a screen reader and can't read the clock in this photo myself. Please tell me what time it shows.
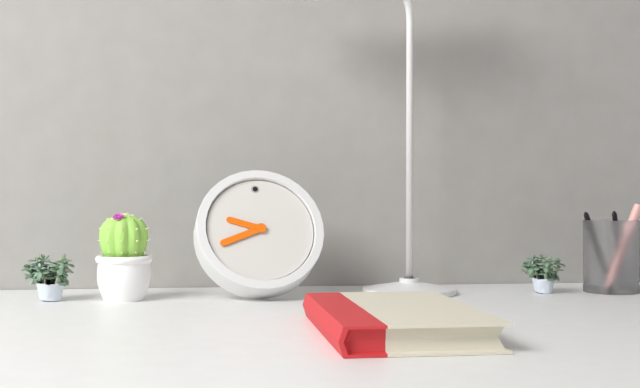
9:42
